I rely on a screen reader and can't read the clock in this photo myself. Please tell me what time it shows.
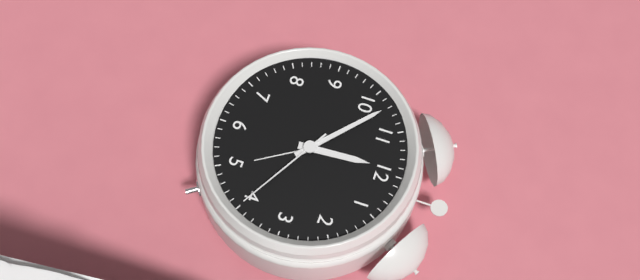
11:52:20
